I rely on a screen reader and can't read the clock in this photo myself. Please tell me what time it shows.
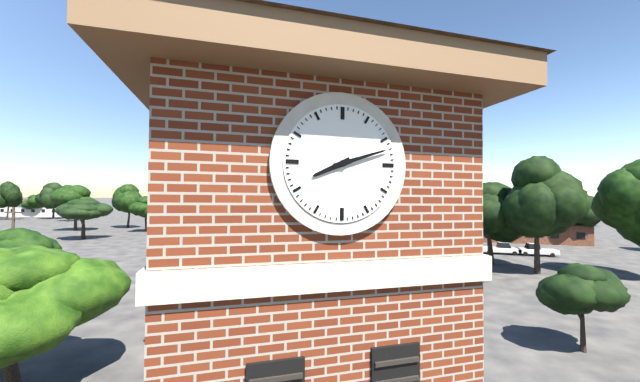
8:12
